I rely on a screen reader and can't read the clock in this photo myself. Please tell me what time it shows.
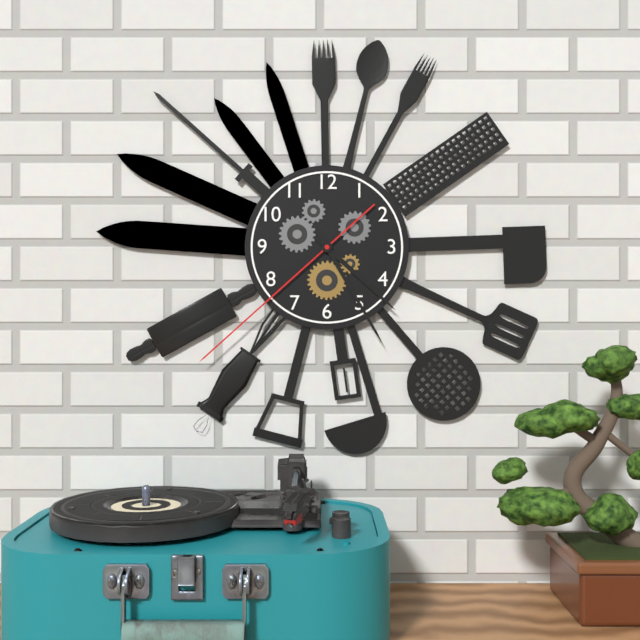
4:25:38
